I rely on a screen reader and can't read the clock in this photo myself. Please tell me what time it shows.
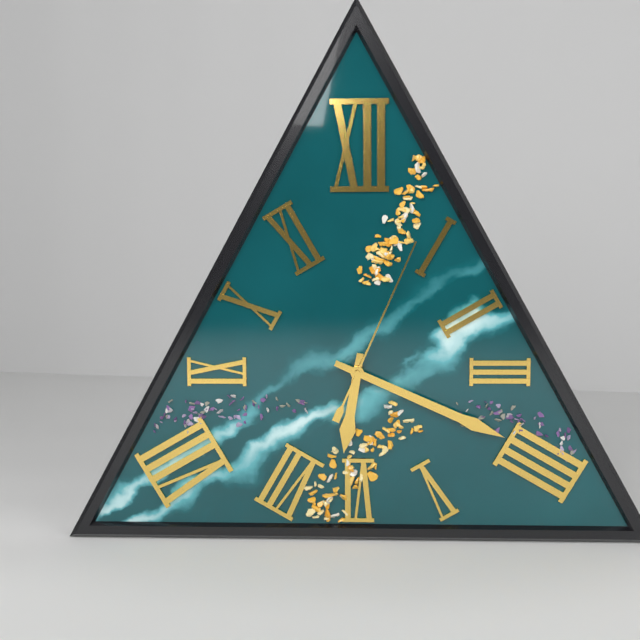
6:19:04
